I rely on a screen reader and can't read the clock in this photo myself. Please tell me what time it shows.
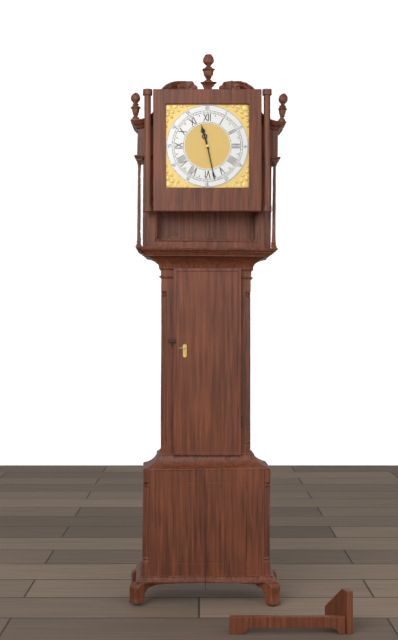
11:28
